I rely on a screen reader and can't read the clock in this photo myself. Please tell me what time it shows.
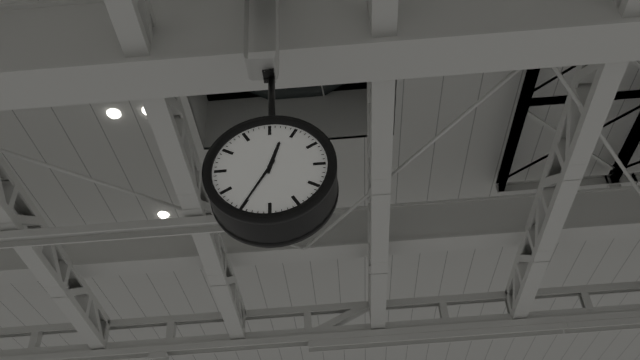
12:35
